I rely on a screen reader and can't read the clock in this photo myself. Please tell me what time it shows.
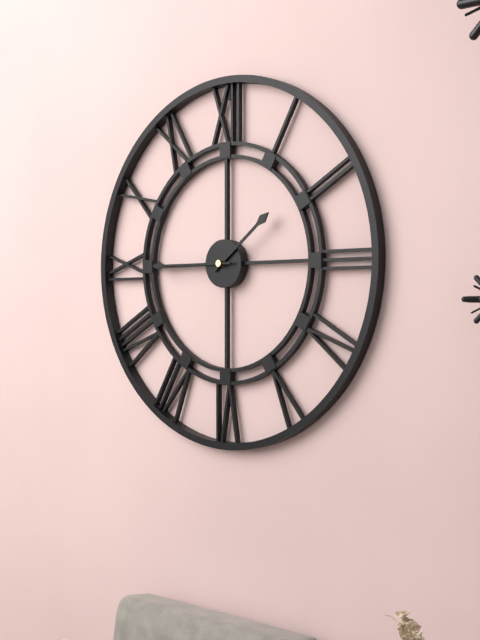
1:45
